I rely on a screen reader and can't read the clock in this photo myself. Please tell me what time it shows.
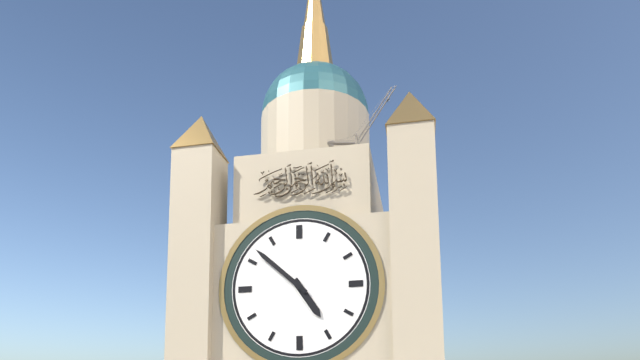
4:52
